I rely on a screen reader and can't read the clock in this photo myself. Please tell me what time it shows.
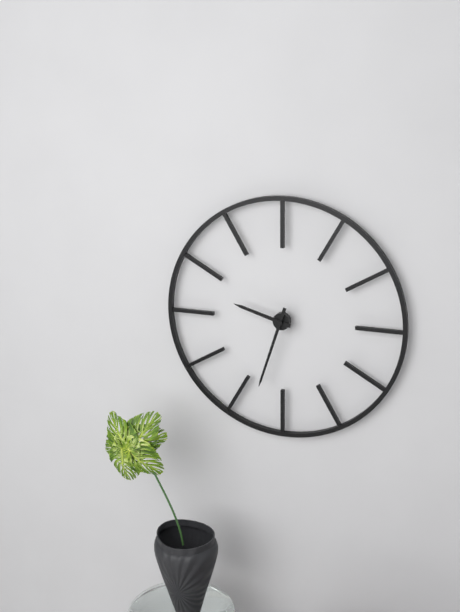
9:33
